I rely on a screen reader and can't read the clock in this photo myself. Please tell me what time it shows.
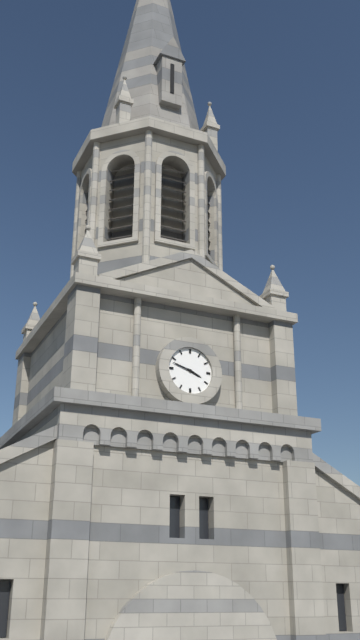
3:48
